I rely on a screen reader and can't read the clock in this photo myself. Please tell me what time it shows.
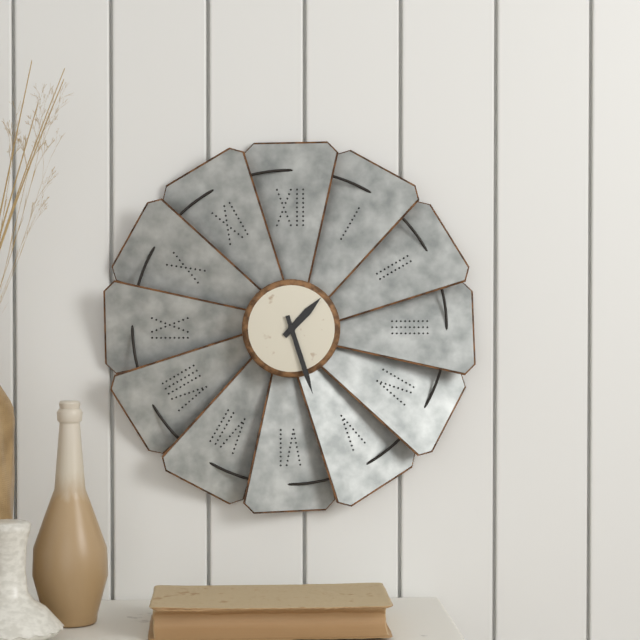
1:27
